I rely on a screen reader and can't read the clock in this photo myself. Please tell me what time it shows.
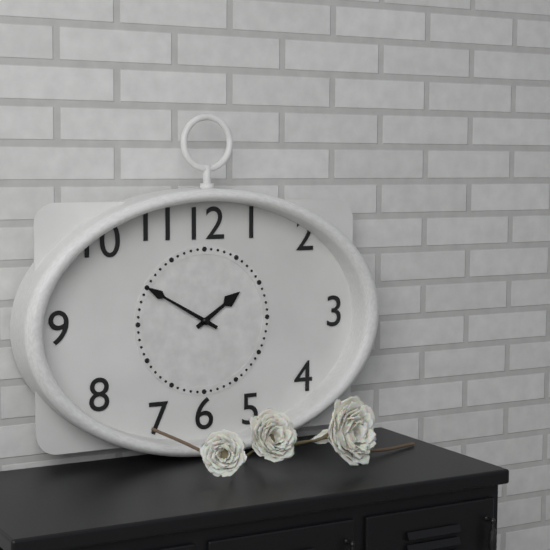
1:50
